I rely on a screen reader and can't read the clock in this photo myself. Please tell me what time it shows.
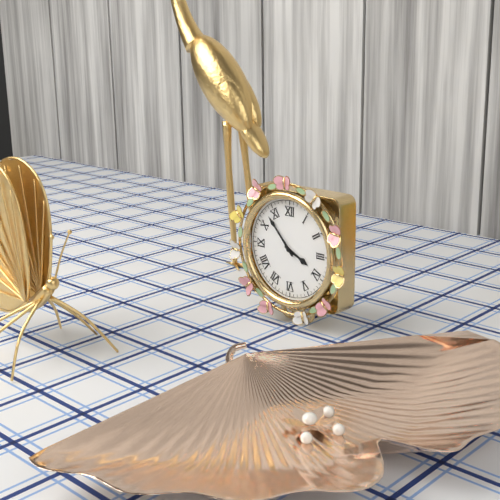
3:53
